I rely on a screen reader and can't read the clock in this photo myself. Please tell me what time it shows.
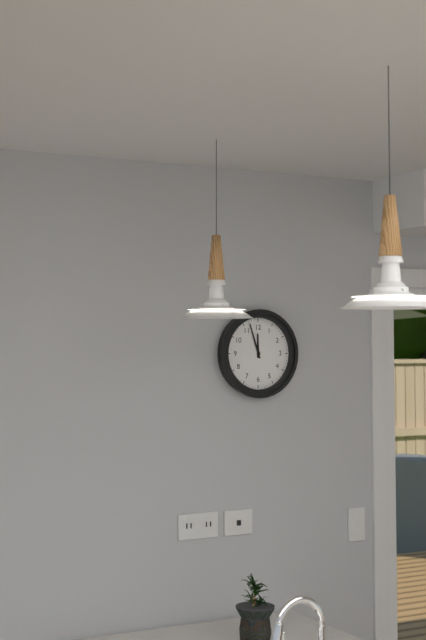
11:57
